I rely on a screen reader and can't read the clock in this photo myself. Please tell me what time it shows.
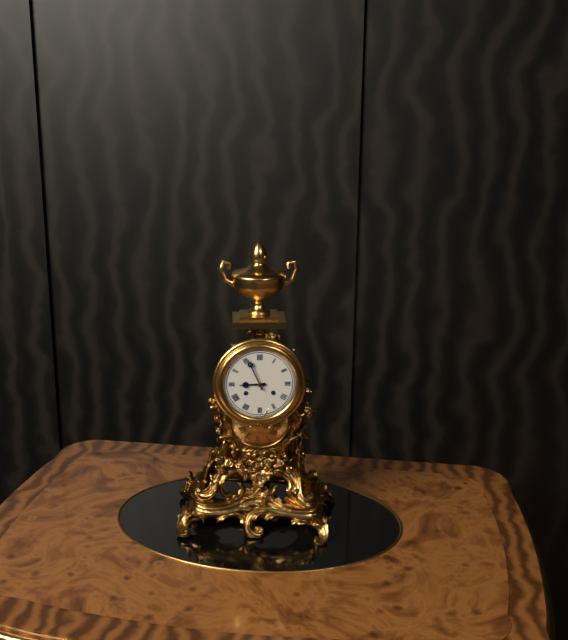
8:56
